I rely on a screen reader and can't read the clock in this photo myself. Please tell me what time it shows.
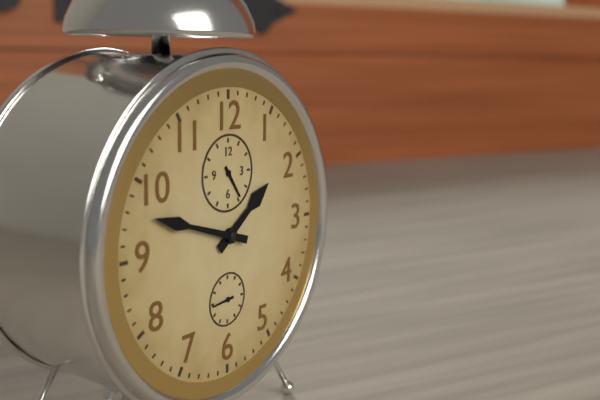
1:48
